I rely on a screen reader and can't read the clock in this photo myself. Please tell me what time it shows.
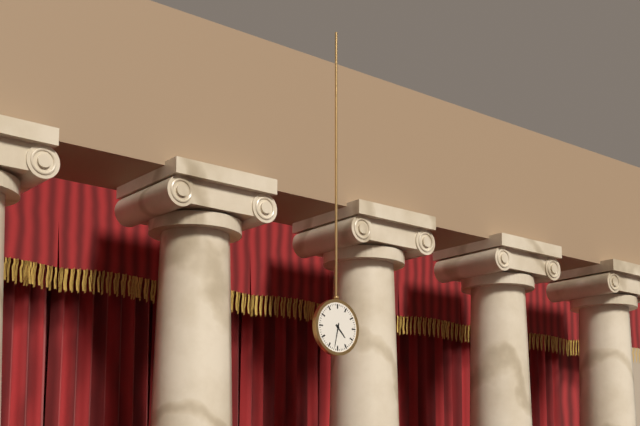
4:32
